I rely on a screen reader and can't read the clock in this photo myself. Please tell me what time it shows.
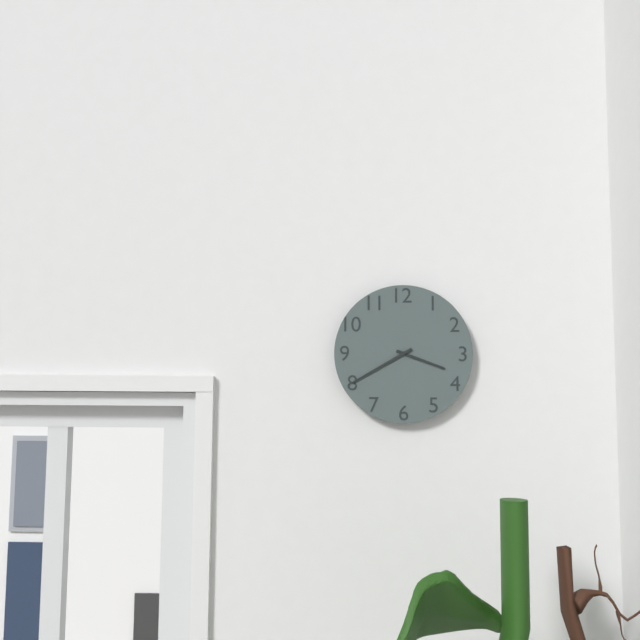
3:40
